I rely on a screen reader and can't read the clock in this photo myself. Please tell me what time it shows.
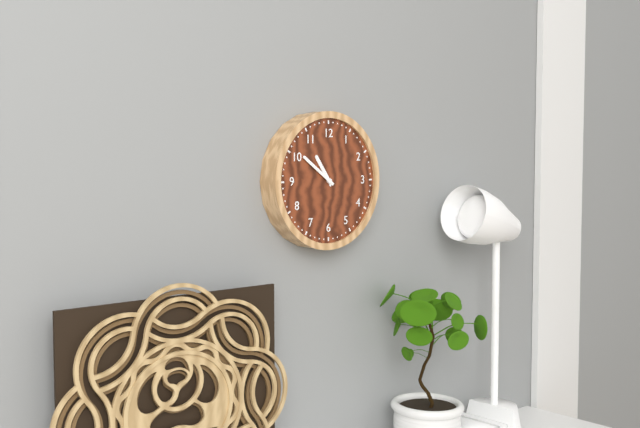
10:51
